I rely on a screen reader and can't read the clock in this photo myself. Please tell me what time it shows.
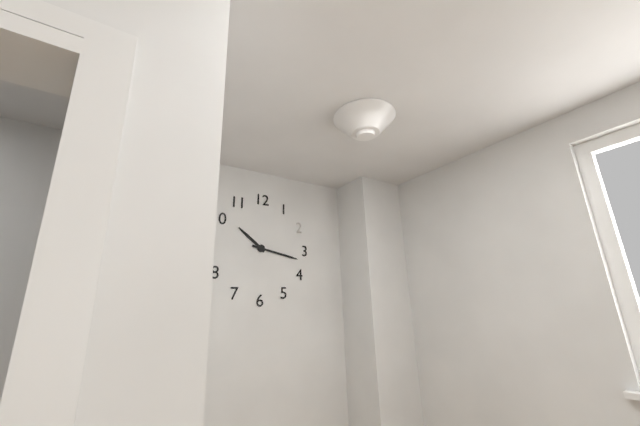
10:17
